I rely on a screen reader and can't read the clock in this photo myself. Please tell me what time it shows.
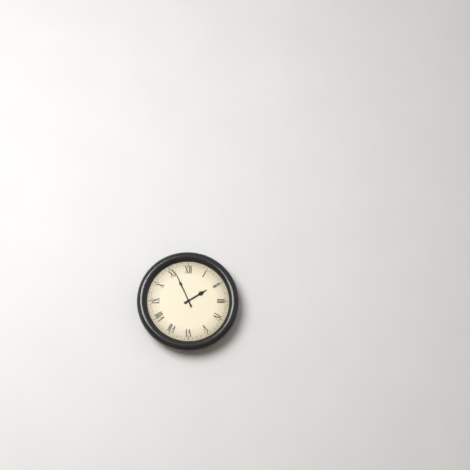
1:56
